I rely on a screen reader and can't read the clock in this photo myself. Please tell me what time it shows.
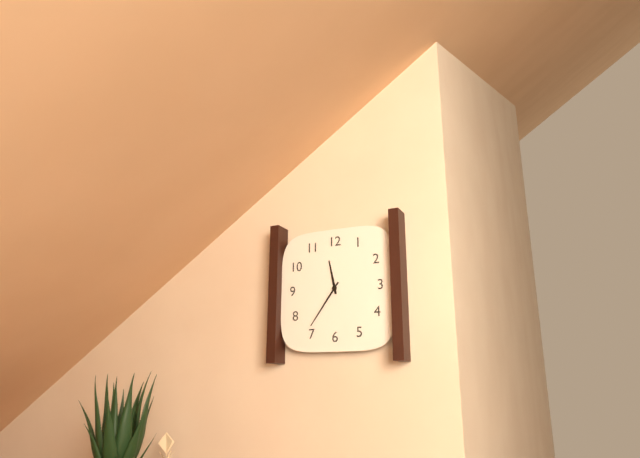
11:36
